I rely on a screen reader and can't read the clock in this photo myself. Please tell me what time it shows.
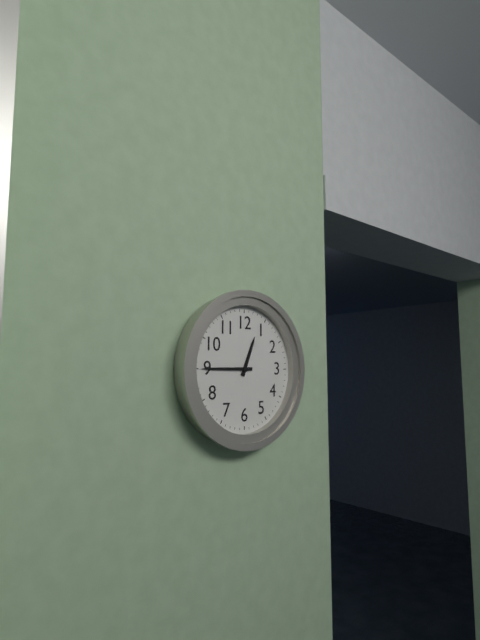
12:45
